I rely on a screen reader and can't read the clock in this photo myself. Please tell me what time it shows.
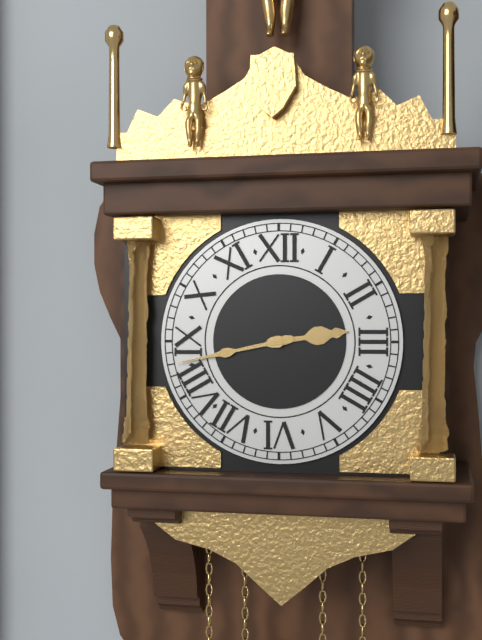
2:43
